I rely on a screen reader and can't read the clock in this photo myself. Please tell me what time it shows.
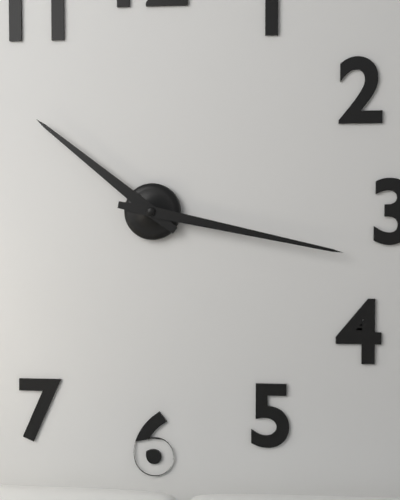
10:17
